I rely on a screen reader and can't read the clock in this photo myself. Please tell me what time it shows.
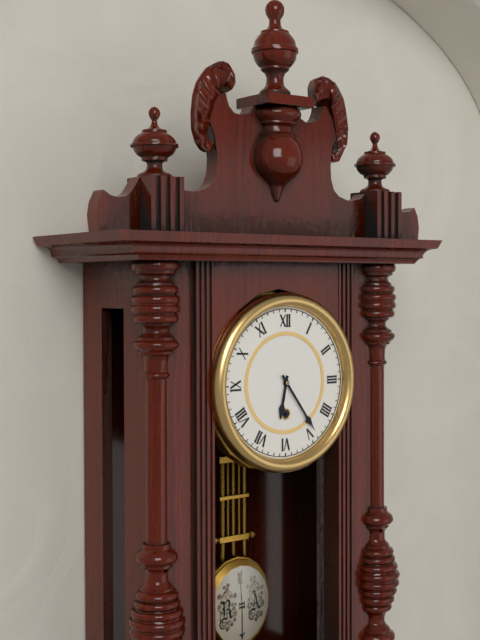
6:24
